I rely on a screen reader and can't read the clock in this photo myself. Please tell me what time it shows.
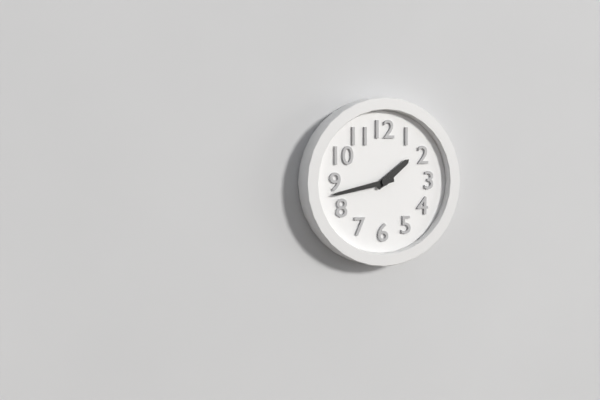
1:43
